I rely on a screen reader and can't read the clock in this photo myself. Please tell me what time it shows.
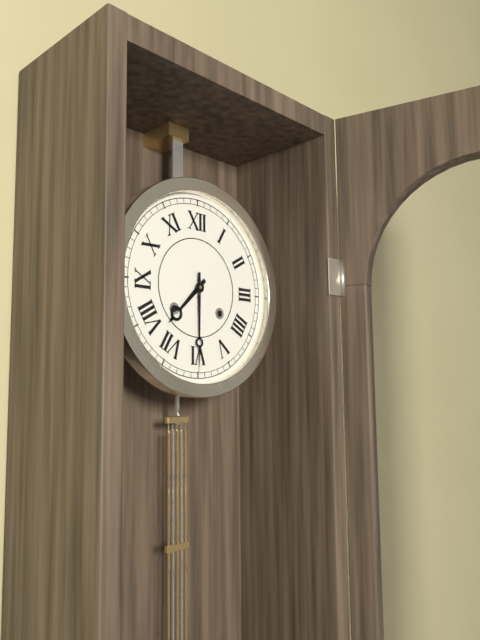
7:30
